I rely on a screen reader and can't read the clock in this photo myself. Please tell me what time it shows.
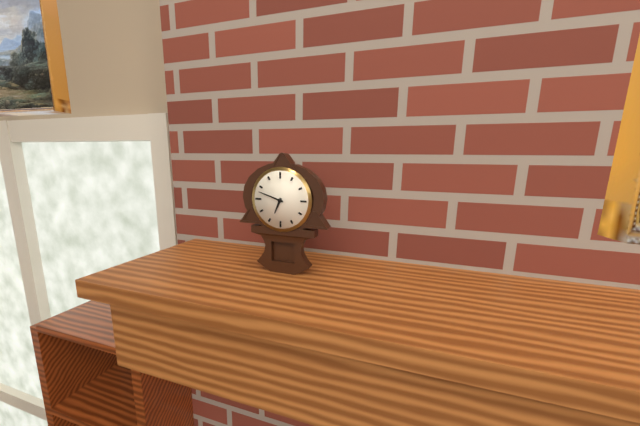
6:48
